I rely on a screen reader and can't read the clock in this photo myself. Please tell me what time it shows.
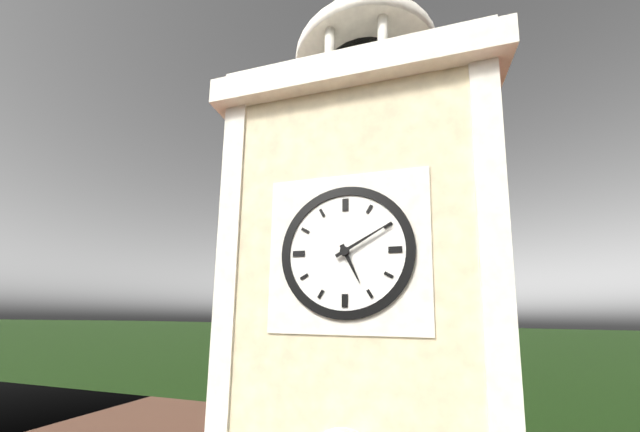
5:10
